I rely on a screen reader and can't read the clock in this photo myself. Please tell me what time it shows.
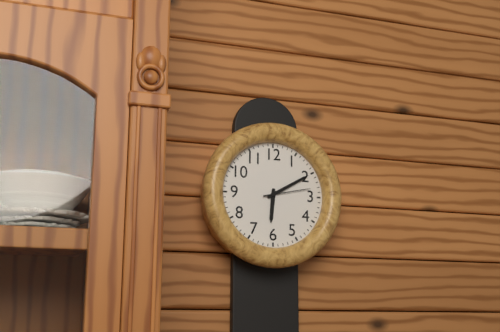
6:10
